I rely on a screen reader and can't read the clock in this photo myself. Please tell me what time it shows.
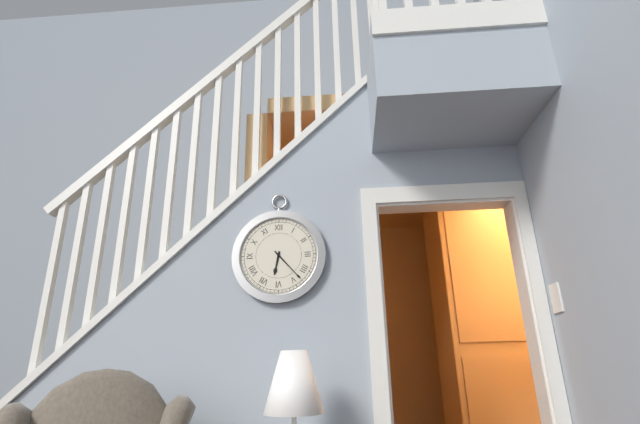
6:23
